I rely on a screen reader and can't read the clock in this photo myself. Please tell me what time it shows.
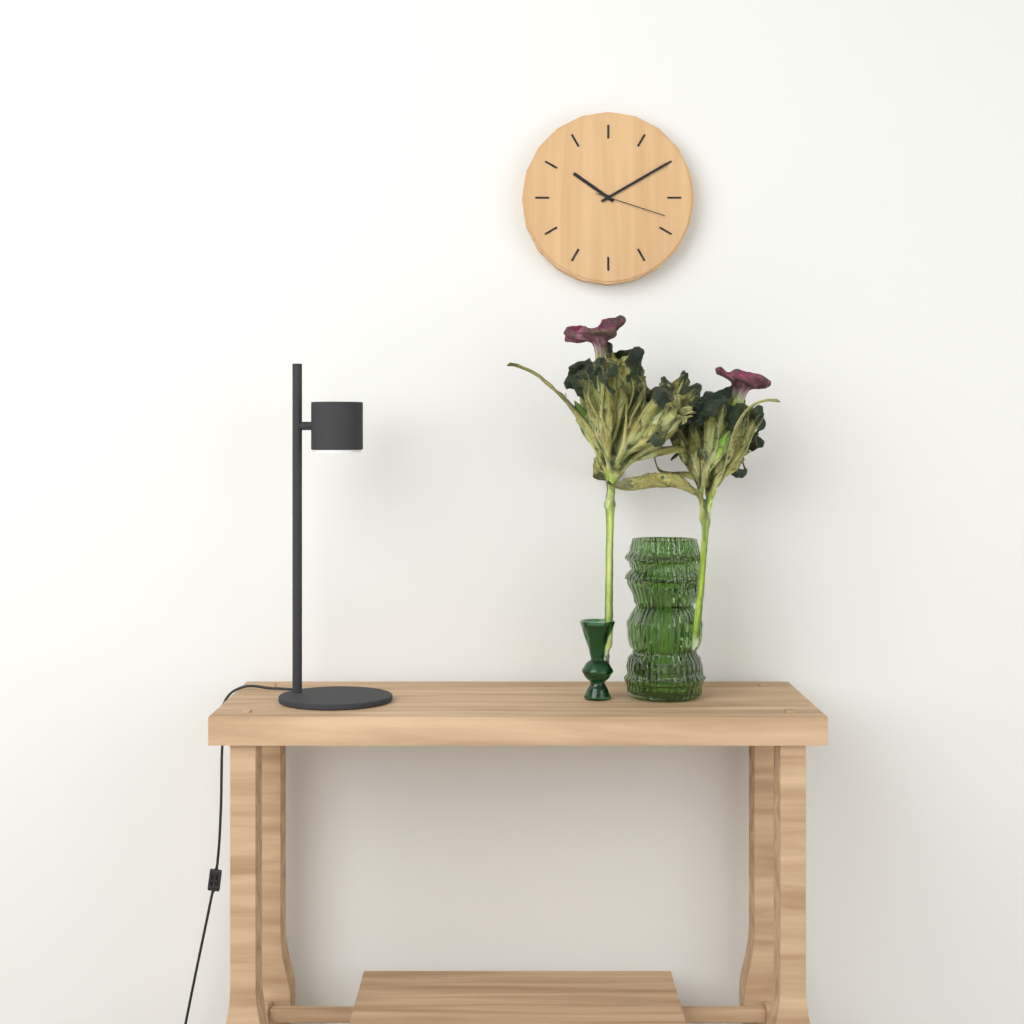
10:10:18
